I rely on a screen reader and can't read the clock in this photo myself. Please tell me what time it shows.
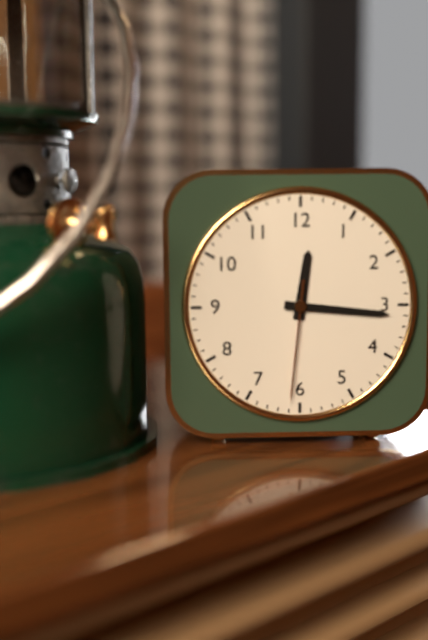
12:16:31
